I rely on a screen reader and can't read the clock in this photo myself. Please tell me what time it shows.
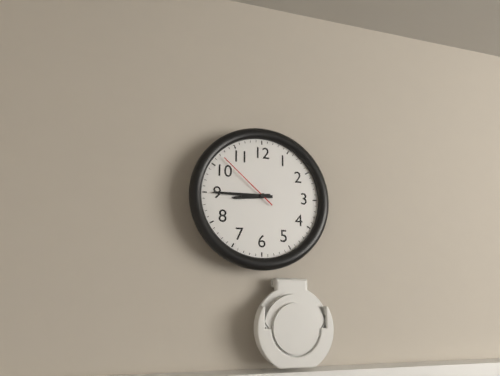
8:45:52
